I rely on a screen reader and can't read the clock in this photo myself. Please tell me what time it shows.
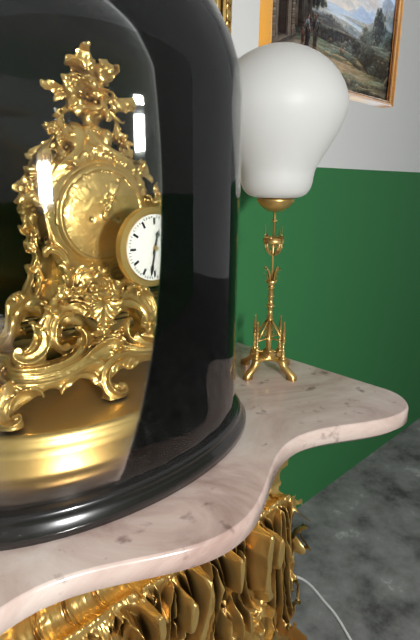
12:32
